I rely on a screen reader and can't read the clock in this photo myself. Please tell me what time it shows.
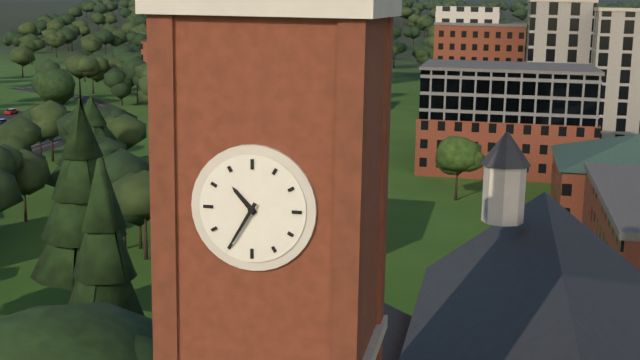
10:35
